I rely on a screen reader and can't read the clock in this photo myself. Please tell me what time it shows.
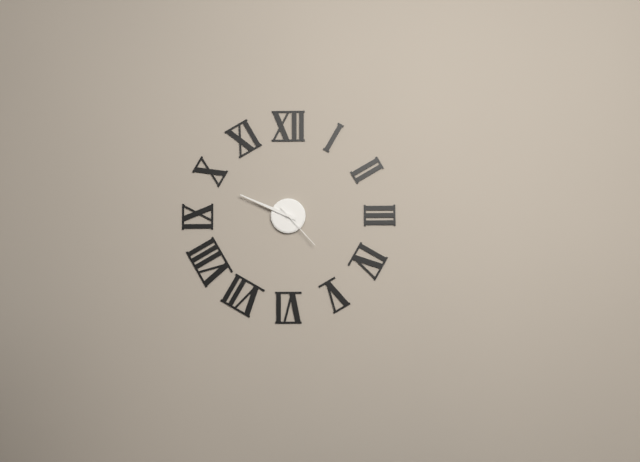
9:49
